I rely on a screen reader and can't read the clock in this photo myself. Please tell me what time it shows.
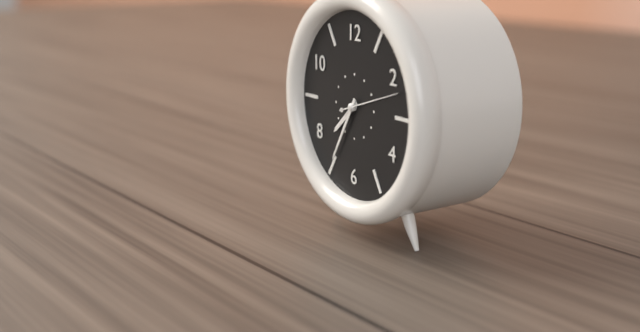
7:35:12
